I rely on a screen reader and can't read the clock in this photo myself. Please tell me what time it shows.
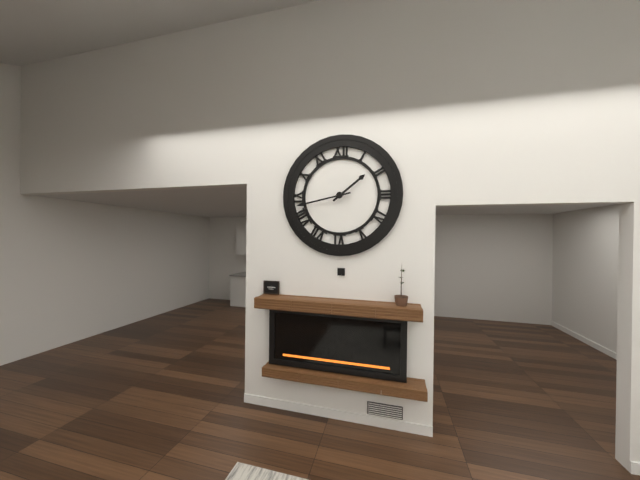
1:43
